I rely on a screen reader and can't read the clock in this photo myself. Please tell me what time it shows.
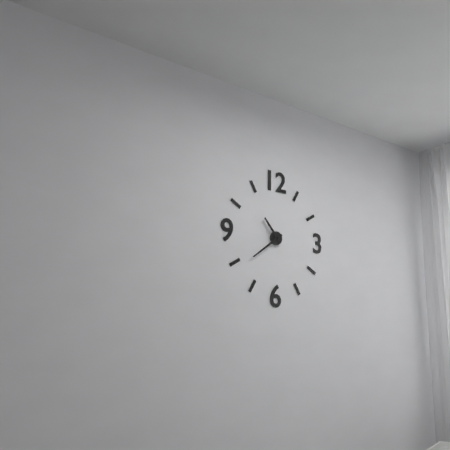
10:39
